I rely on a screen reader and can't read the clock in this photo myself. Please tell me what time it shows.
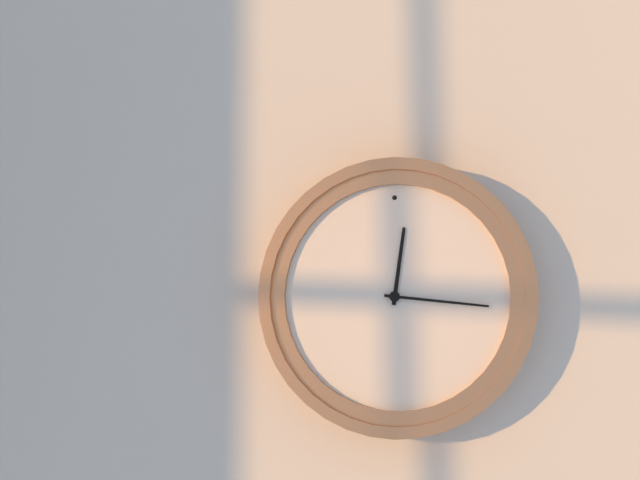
12:16
